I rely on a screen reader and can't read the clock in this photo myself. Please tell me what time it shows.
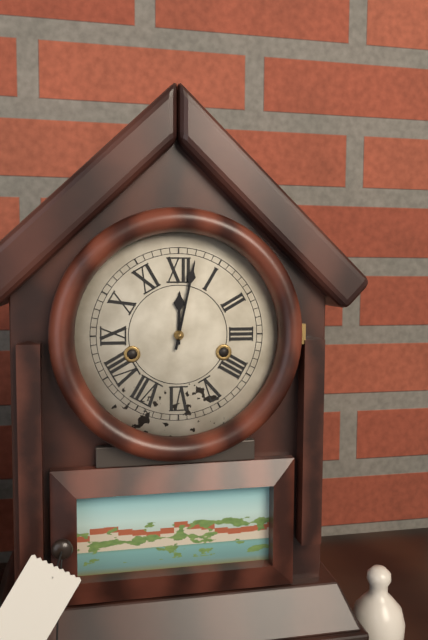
12:02
